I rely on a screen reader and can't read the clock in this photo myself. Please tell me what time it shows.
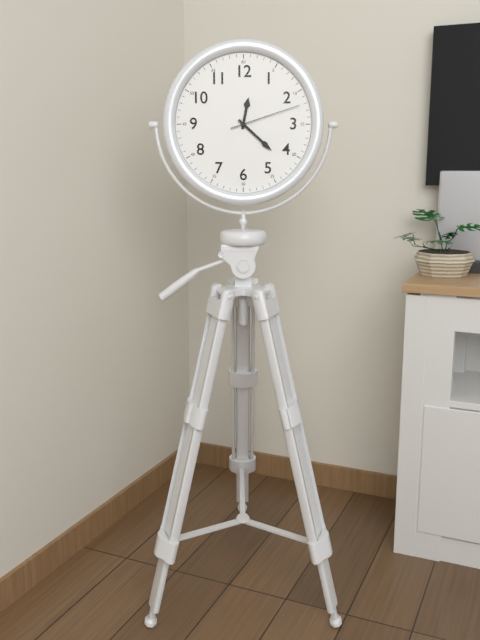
12:22:12
